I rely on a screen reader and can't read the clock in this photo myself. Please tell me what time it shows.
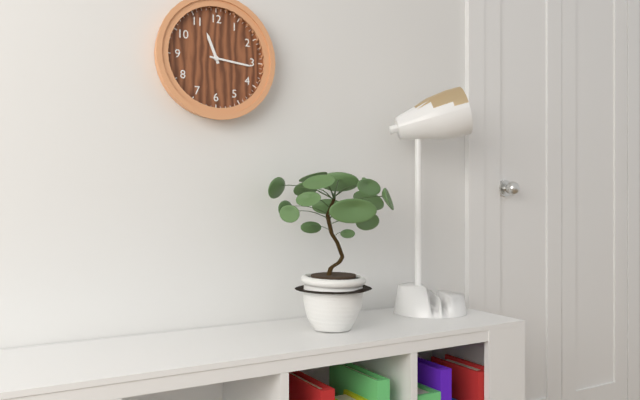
11:16
